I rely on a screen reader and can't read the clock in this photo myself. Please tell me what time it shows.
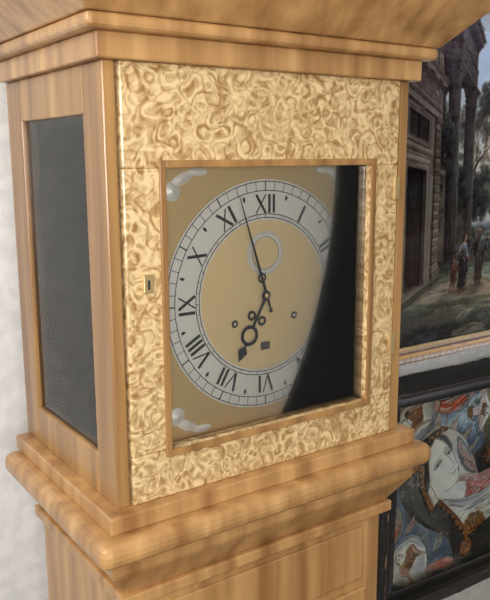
6:57
